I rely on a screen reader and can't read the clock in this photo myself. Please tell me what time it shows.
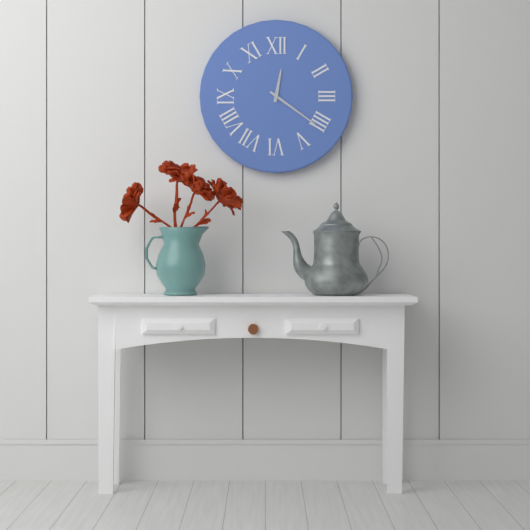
12:21
